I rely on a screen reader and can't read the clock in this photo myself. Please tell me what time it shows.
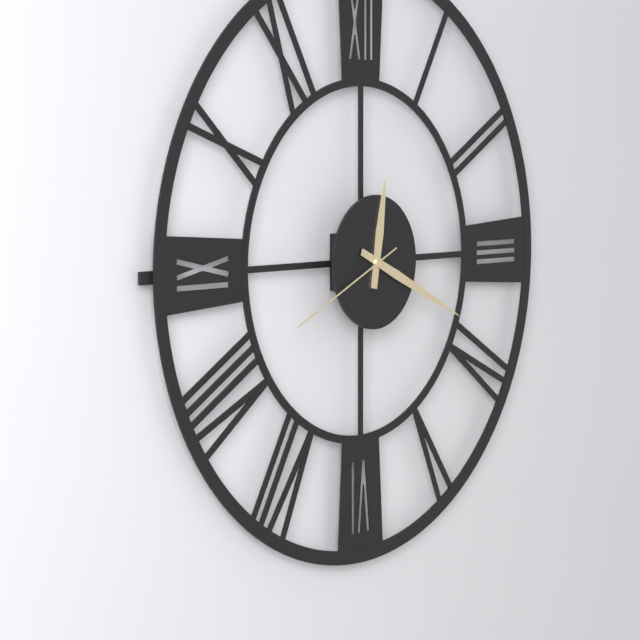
12:19:41
